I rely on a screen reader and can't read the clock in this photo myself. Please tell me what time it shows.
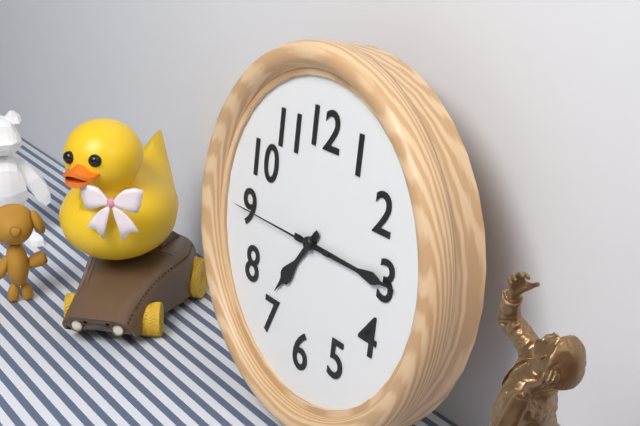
7:15:45
